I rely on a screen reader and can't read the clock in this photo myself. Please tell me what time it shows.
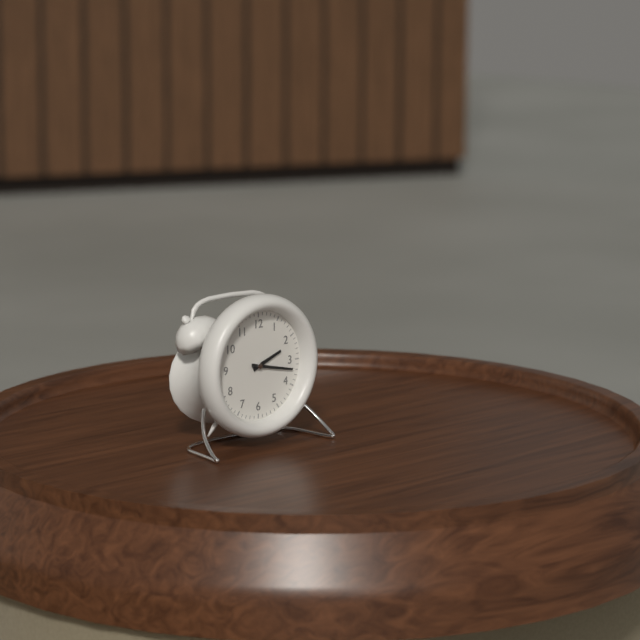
2:17
